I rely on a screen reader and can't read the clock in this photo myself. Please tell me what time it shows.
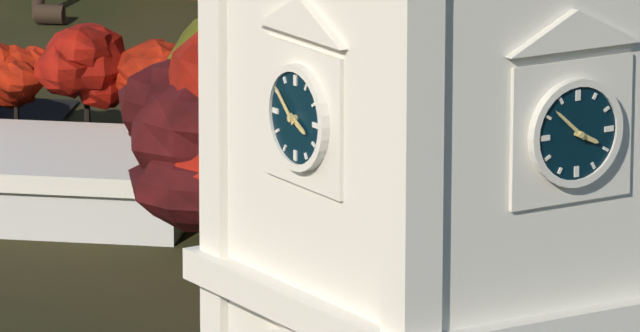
3:52
